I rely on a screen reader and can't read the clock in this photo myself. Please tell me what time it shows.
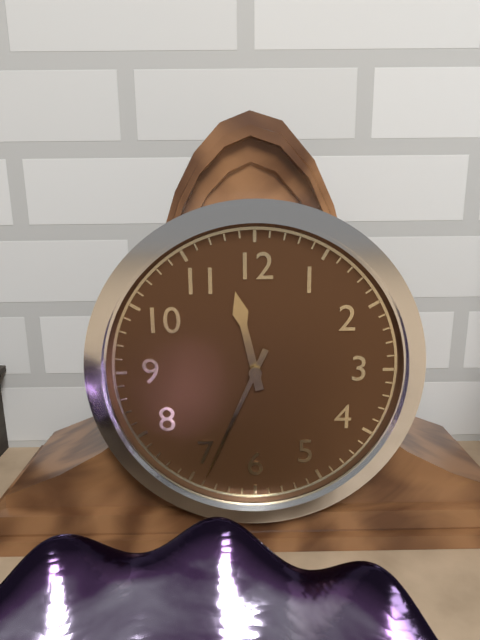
11:34
